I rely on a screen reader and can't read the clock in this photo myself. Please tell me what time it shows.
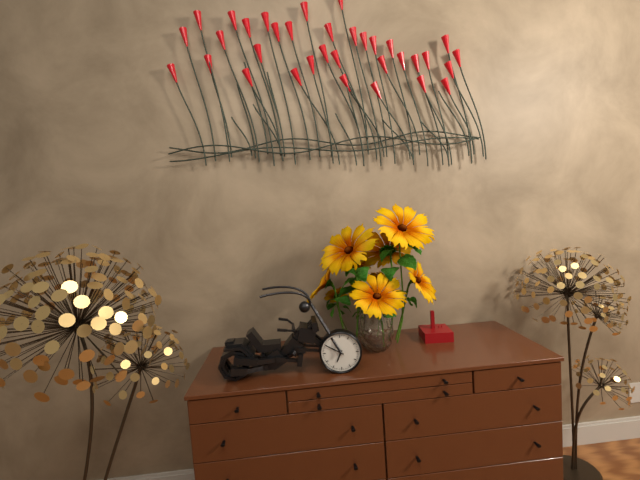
6:50
